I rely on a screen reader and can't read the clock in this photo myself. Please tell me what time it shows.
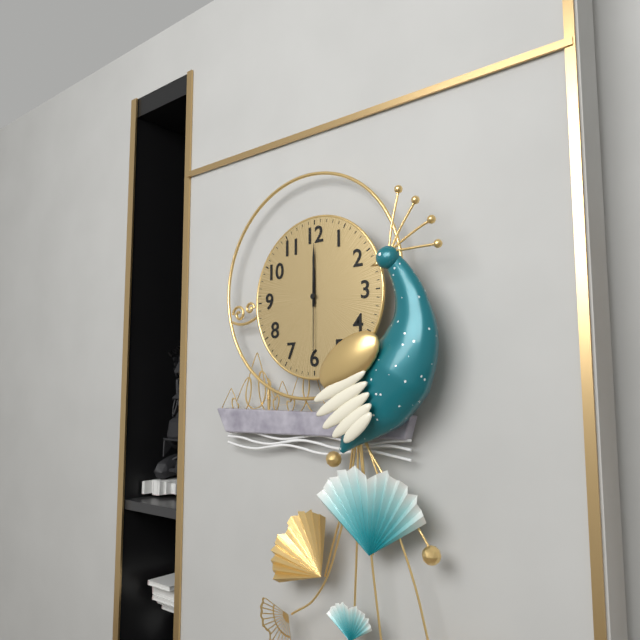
12:00:30
